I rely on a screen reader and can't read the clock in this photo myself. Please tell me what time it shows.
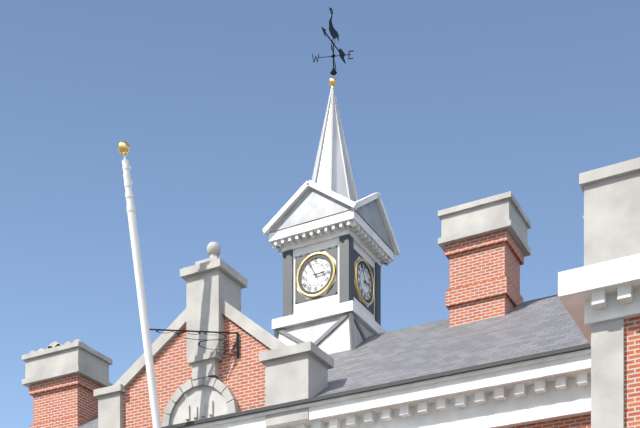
2:55
